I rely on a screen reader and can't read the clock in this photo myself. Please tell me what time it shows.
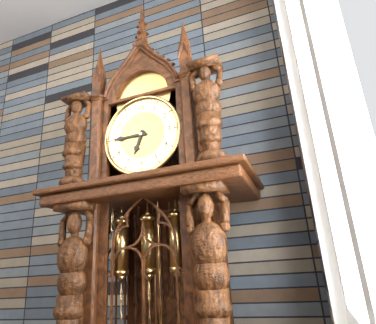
6:45
